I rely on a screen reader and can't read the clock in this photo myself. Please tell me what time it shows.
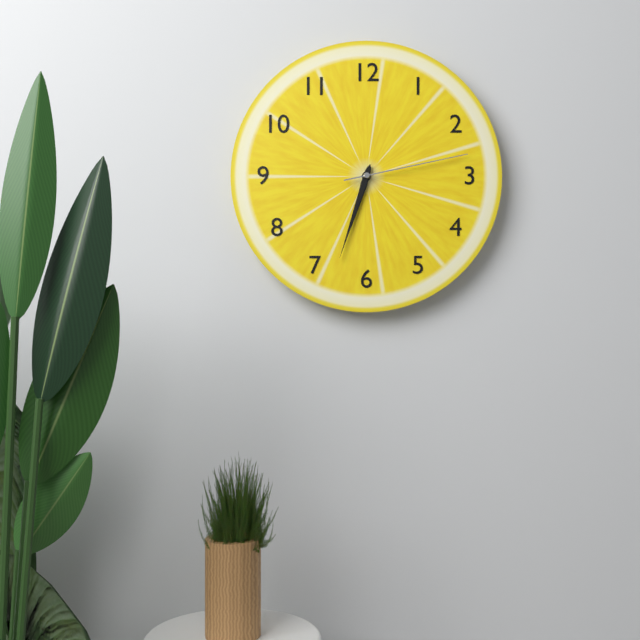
6:33:13
